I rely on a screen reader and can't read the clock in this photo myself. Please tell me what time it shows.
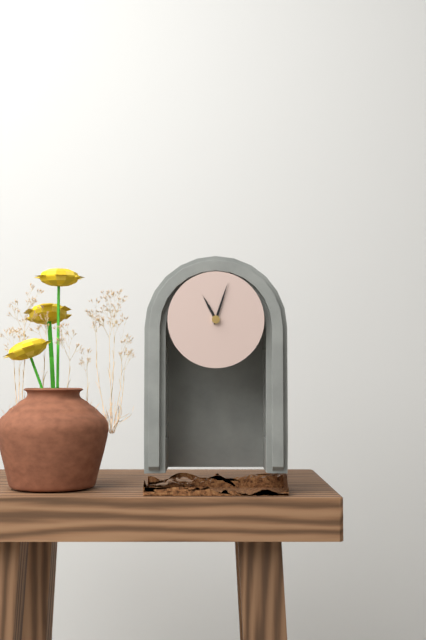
11:03
